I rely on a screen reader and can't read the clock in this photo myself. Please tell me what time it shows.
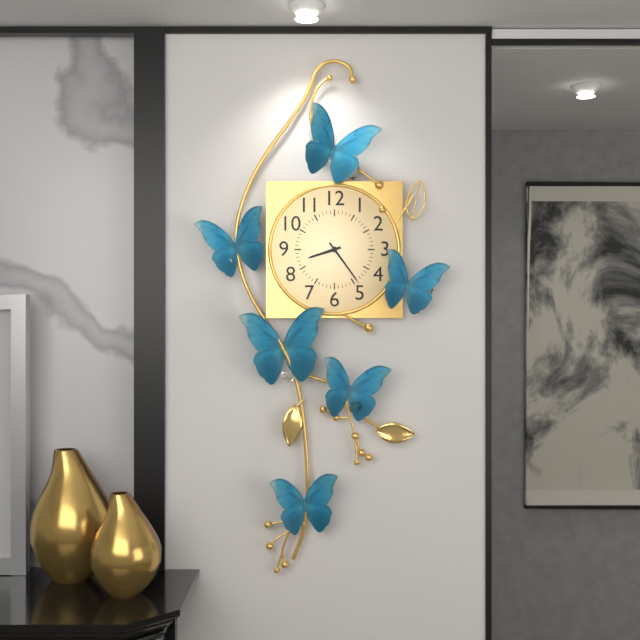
8:24
